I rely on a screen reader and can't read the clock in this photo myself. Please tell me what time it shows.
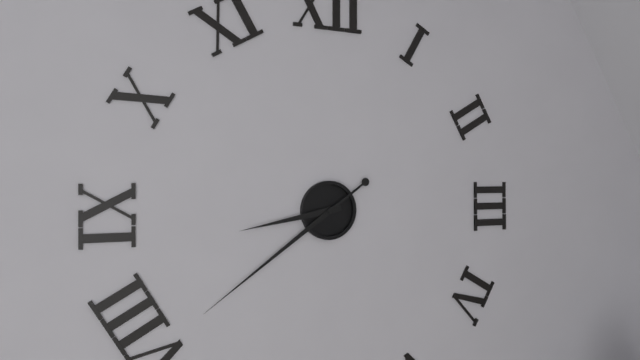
8:39
